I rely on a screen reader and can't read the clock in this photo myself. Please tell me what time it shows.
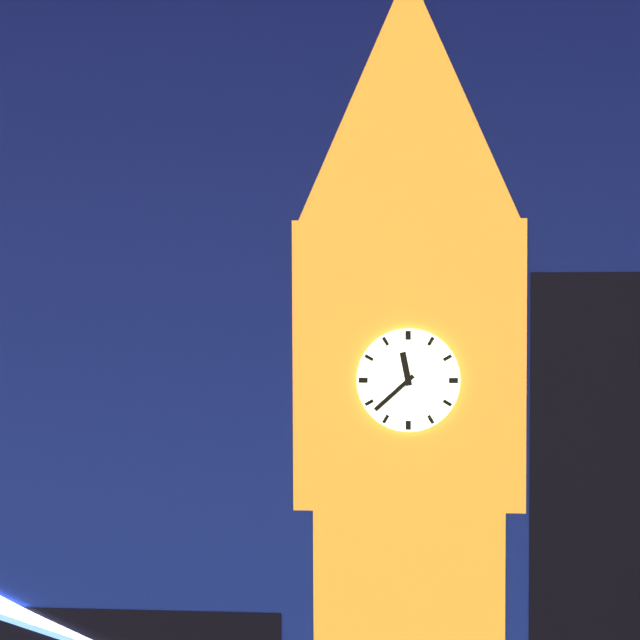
11:38
